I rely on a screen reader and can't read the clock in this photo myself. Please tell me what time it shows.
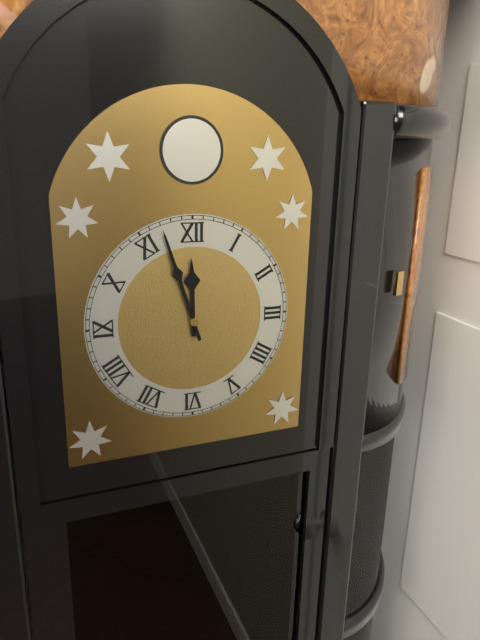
11:57
